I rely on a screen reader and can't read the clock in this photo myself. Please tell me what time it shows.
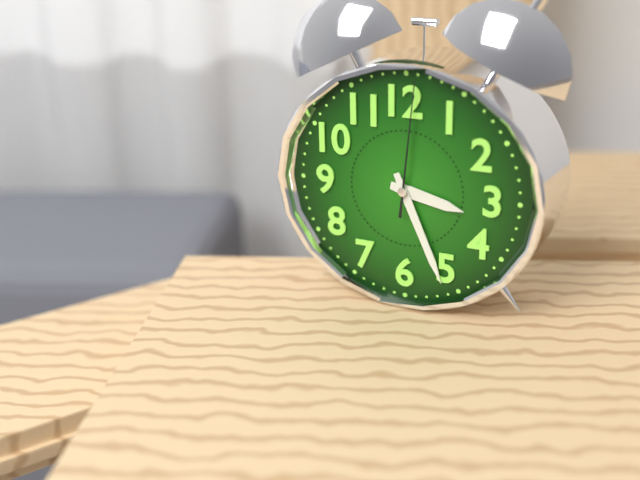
3:26:01
